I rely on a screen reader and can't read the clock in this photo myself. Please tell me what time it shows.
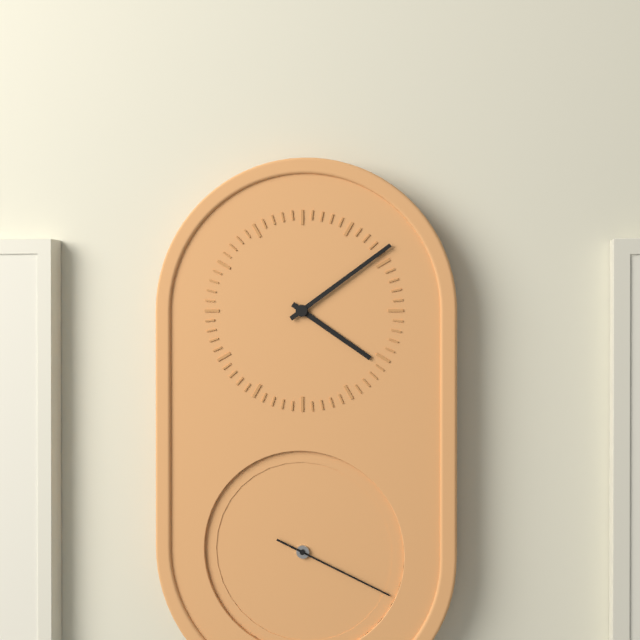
4:09:19
